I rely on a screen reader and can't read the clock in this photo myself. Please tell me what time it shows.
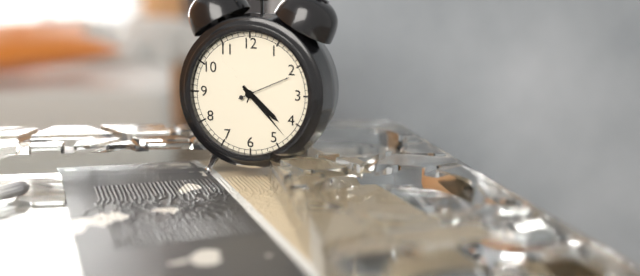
4:23:11
